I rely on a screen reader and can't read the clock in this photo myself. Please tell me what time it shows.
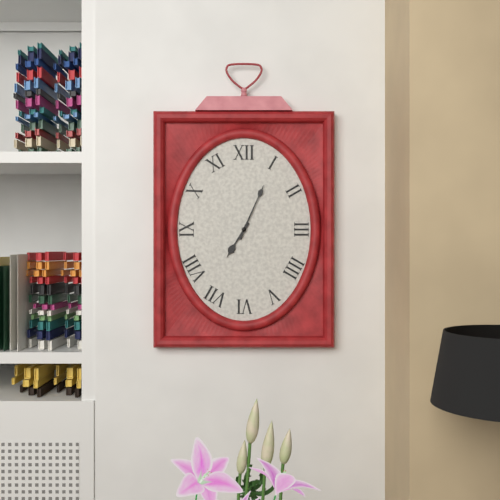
7:04
